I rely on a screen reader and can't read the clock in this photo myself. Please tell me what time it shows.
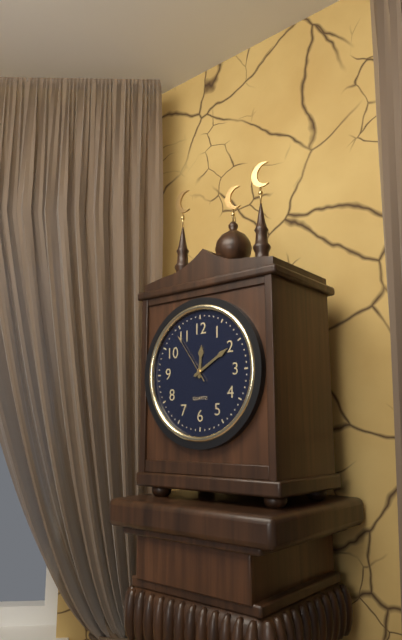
12:10:54
